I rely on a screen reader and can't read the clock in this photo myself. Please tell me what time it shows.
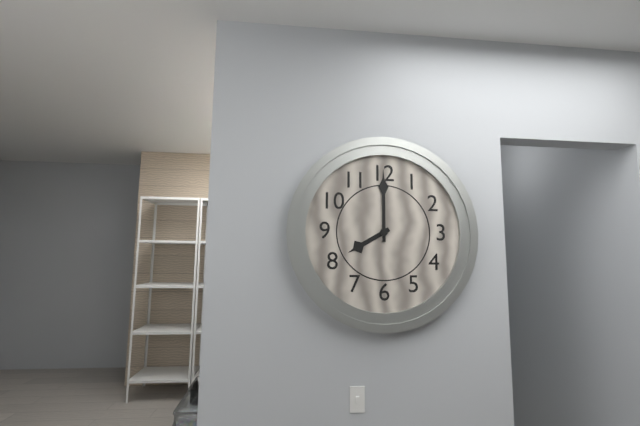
8:00
